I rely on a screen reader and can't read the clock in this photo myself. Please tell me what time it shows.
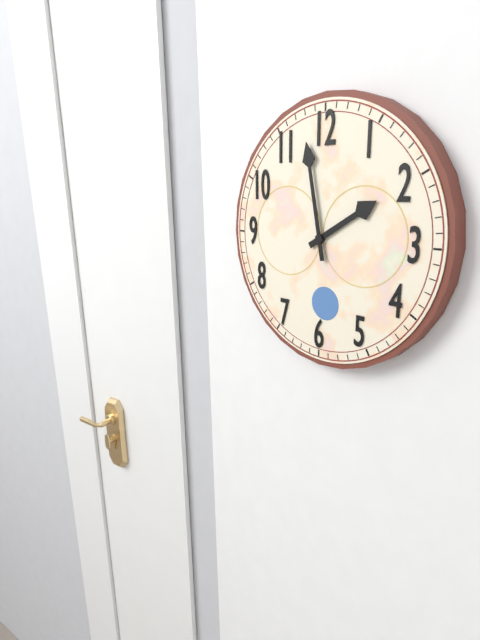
1:58
